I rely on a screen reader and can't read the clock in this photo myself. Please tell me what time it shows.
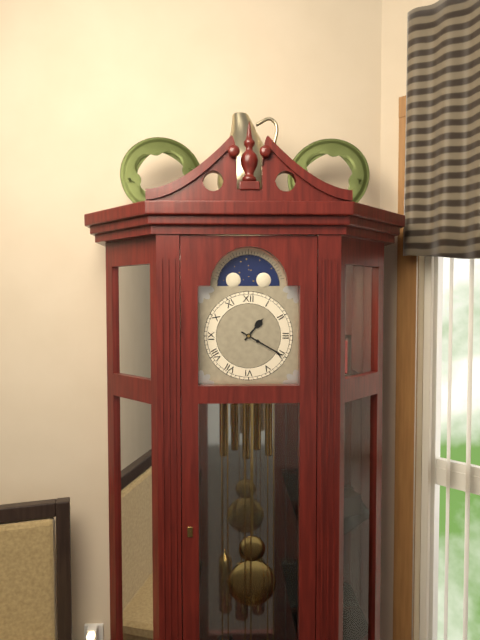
1:20
